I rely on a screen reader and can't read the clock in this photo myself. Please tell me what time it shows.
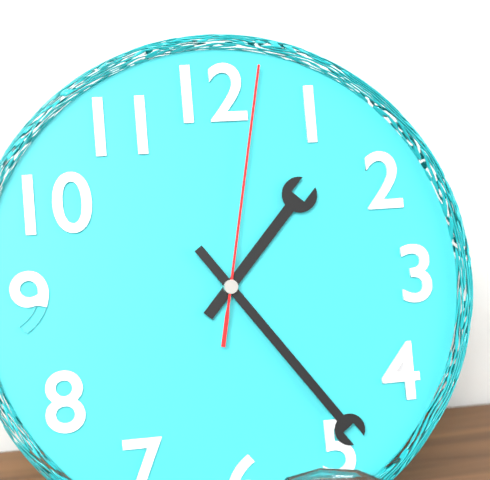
1:24:02
